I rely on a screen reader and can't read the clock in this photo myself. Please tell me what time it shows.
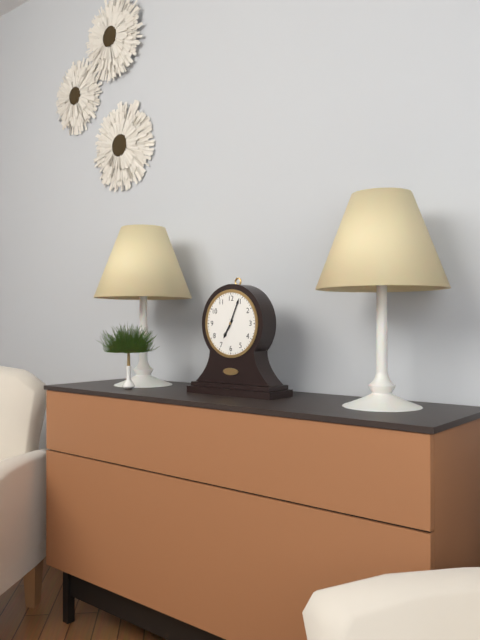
7:04
